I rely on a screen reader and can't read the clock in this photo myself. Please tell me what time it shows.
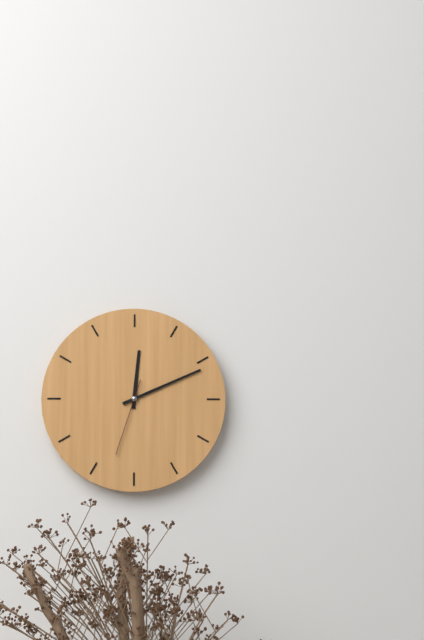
12:11:33
